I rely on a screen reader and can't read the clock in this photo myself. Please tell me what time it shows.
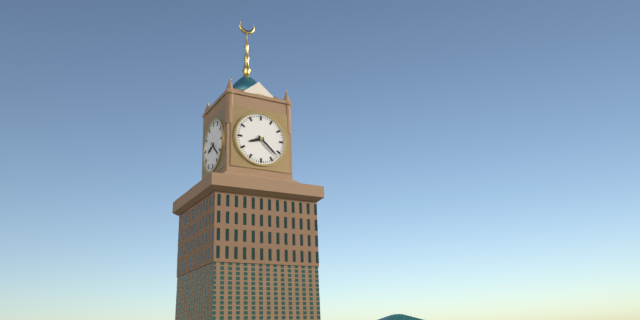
8:22
